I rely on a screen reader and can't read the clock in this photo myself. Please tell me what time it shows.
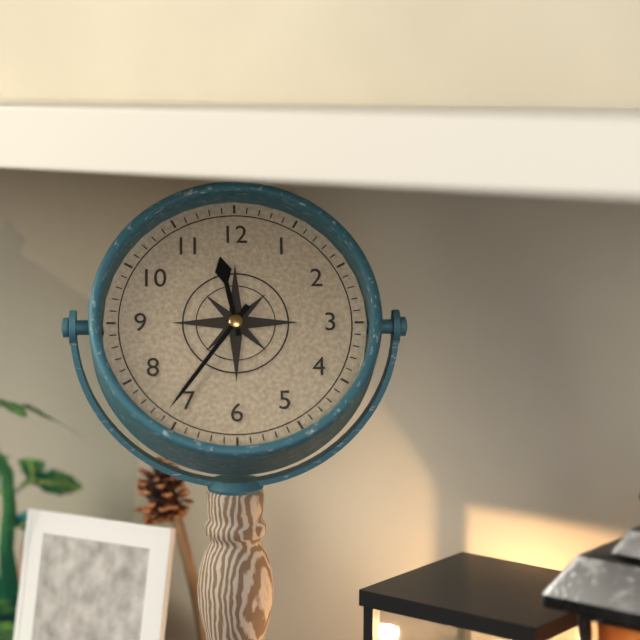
11:36
